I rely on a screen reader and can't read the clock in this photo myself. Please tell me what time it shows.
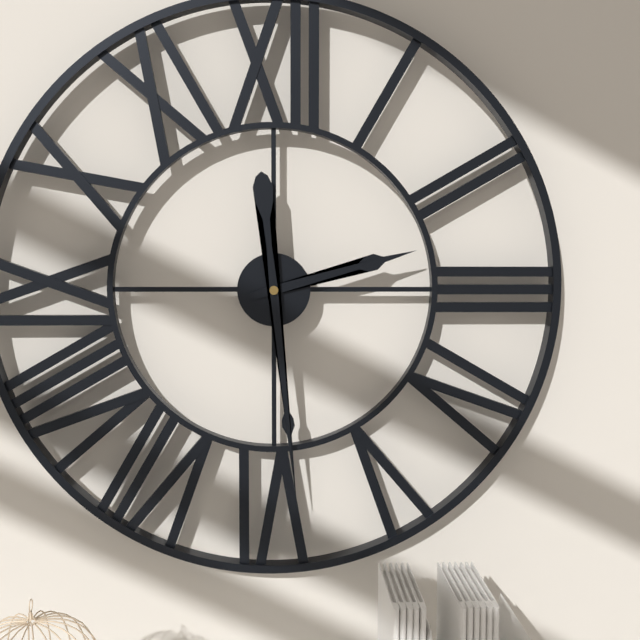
2:29
